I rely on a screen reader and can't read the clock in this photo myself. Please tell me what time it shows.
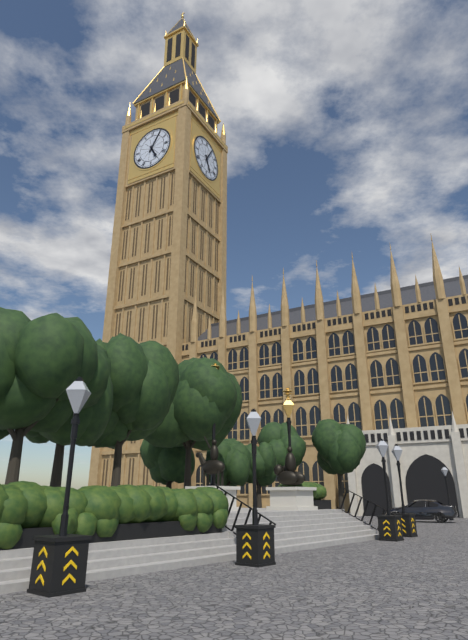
5:05
